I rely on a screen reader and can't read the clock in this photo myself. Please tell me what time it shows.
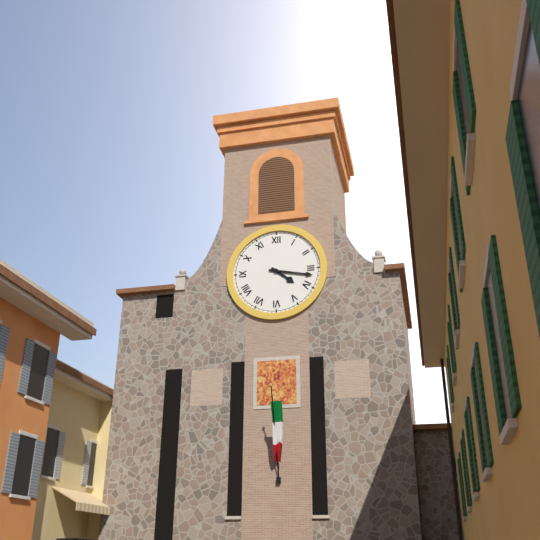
4:17
